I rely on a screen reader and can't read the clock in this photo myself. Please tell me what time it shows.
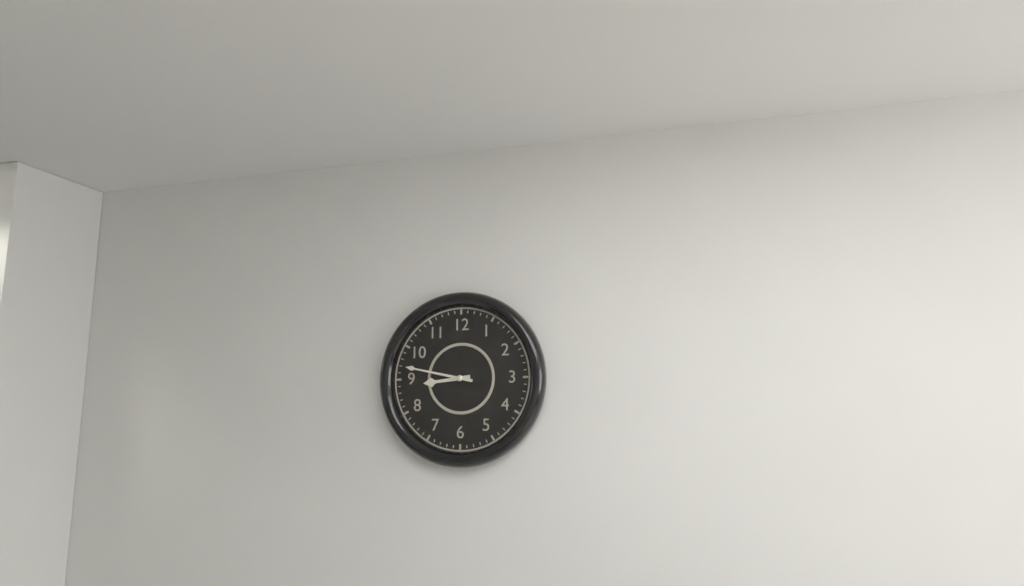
8:47
